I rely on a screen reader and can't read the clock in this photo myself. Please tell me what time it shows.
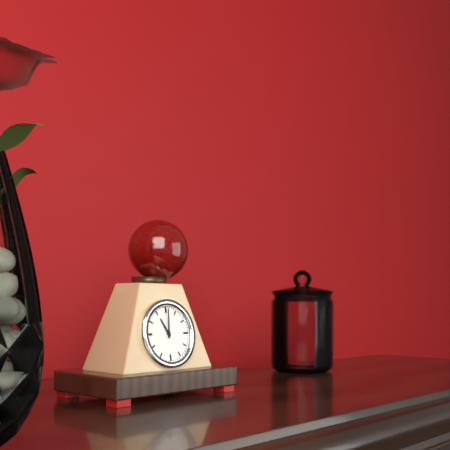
11:01
